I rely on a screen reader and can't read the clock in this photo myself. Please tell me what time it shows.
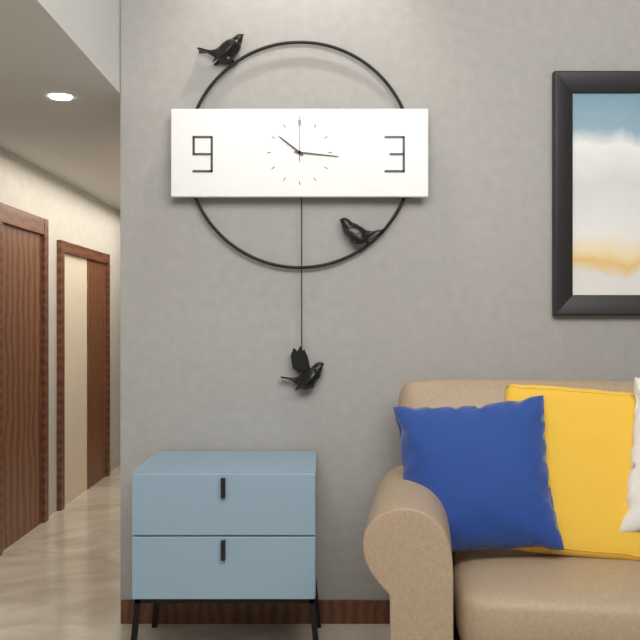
10:16
